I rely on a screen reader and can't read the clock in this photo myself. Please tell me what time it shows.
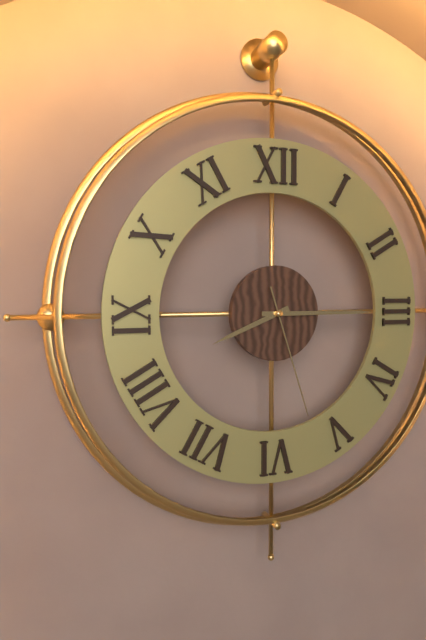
8:15:27
